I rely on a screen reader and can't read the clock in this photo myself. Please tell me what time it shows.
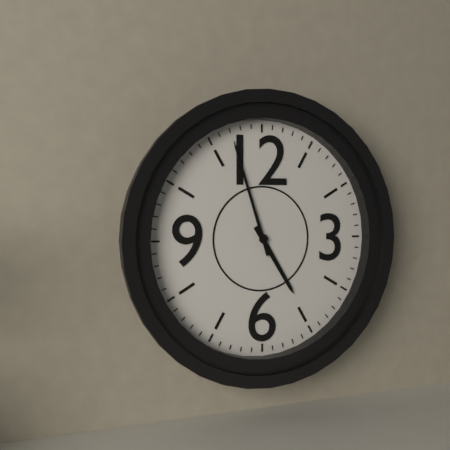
4:57
